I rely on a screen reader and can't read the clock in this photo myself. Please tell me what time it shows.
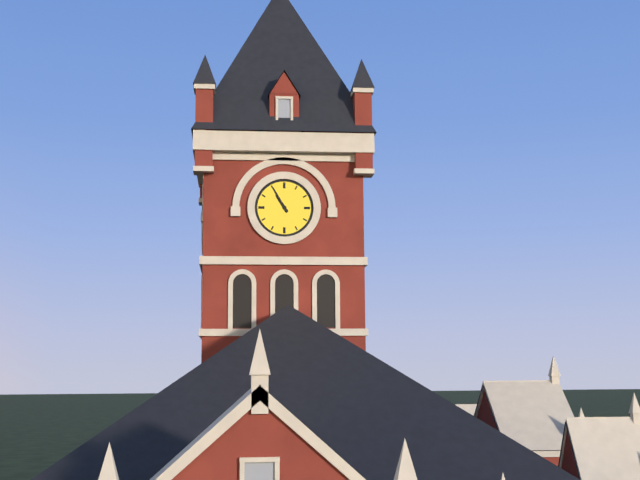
10:55
